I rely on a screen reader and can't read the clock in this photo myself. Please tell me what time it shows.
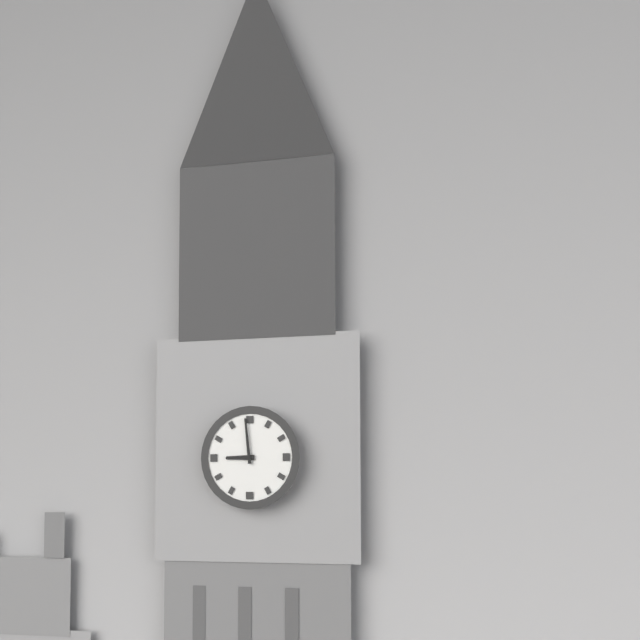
8:59
